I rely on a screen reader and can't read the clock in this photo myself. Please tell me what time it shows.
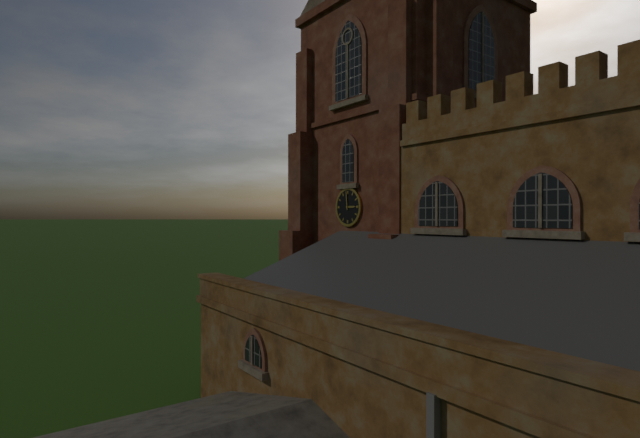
2:59
